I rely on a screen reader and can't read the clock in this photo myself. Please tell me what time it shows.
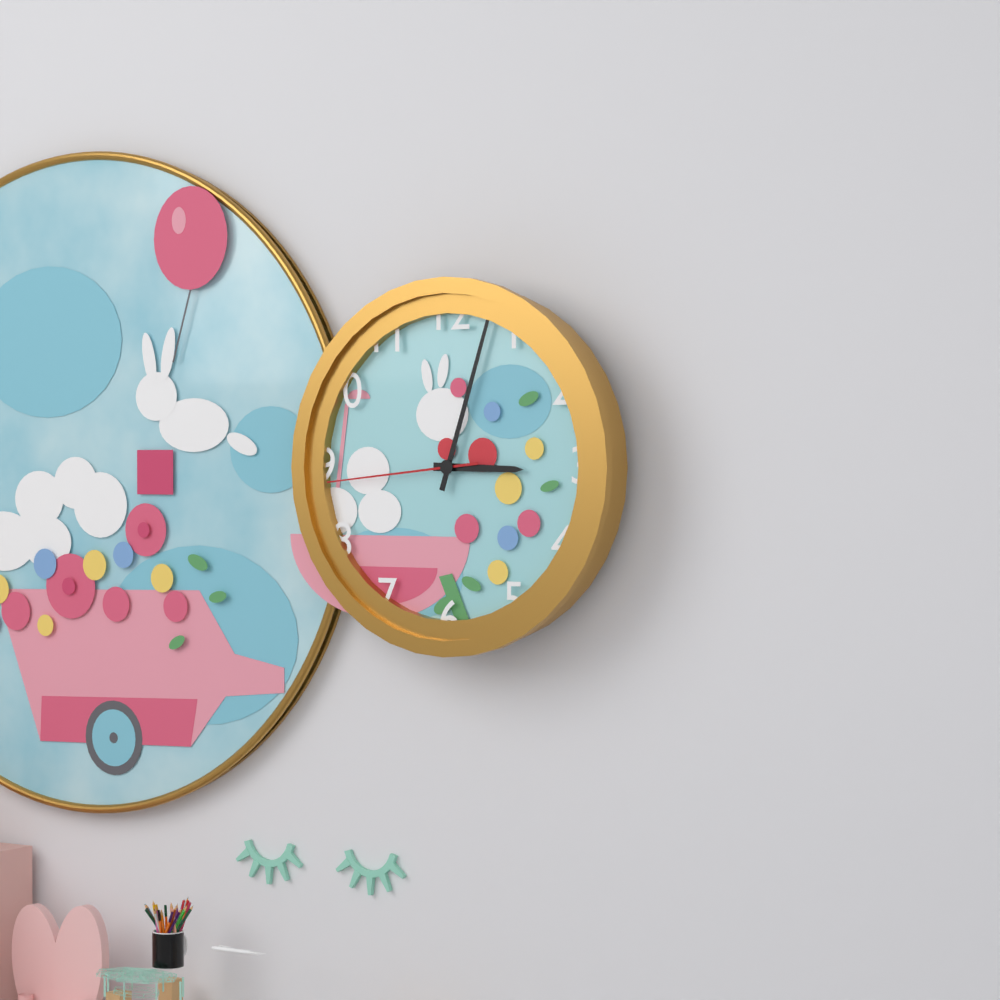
3:03:44
